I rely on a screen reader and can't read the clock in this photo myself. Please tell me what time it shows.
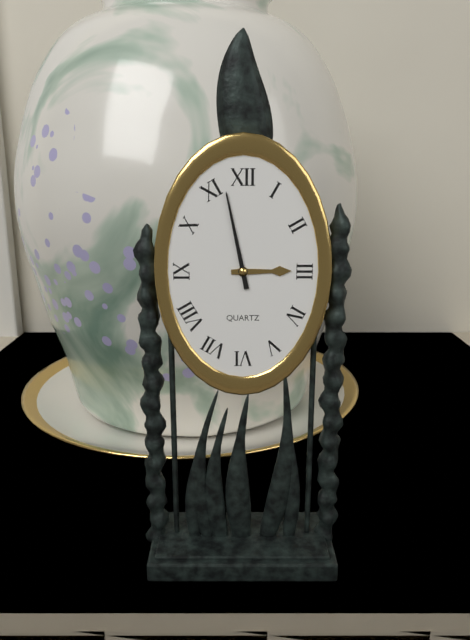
2:58
